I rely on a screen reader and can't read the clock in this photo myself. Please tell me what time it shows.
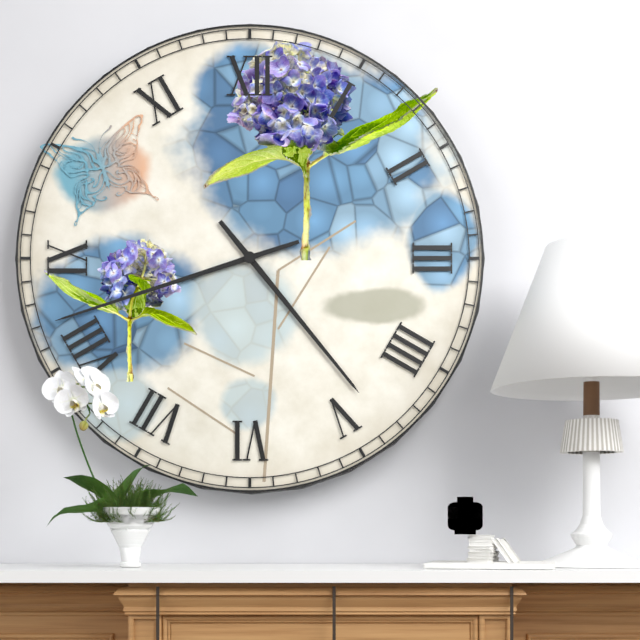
4:42
